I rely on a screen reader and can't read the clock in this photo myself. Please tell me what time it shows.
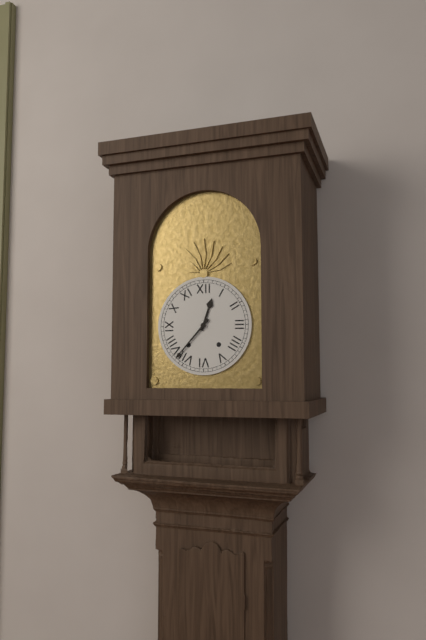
12:37
